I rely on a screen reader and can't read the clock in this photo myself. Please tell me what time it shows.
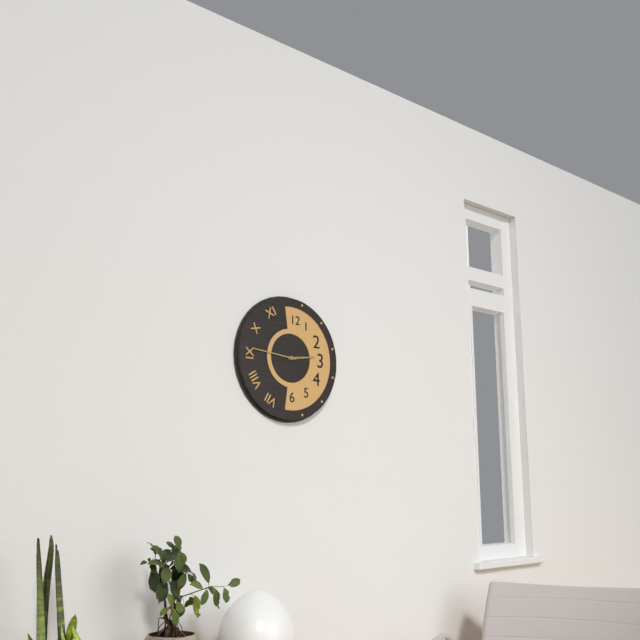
2:46
